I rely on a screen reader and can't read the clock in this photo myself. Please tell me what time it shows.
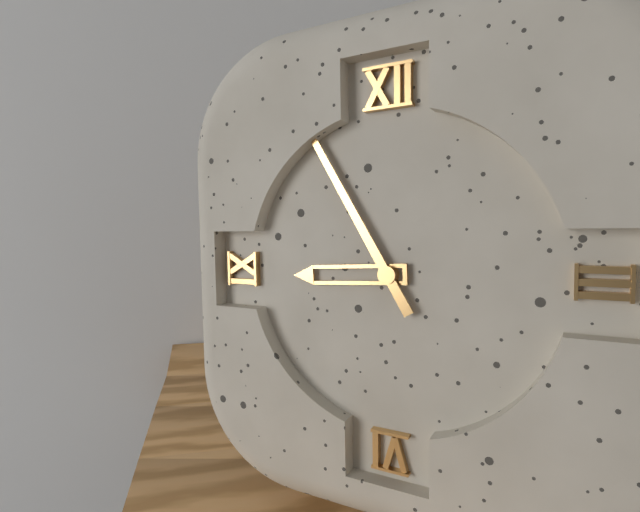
8:55
